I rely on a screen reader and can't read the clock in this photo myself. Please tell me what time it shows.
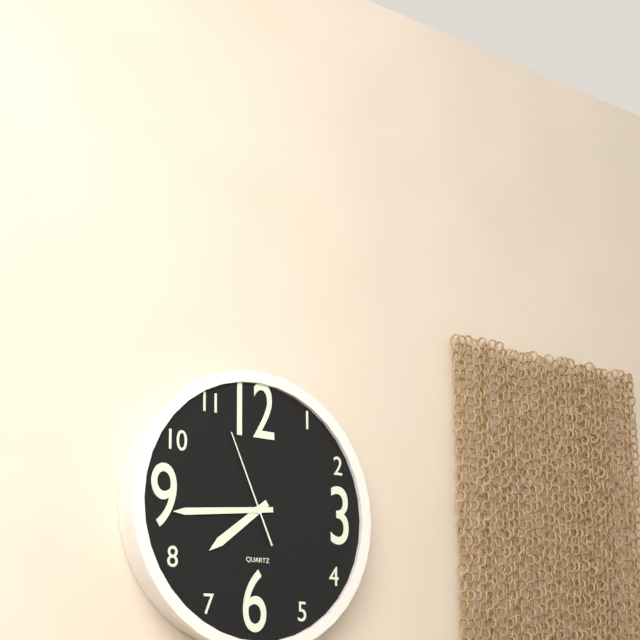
7:44:56
